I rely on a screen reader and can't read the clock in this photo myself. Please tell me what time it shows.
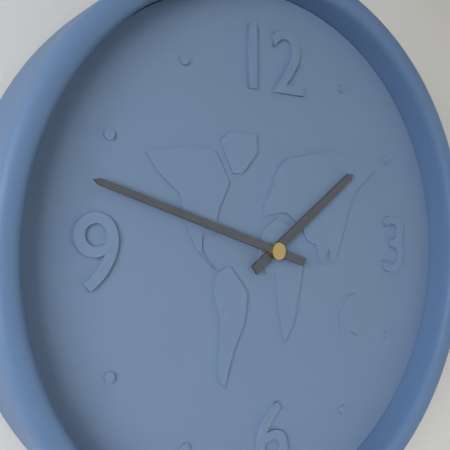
1:48
